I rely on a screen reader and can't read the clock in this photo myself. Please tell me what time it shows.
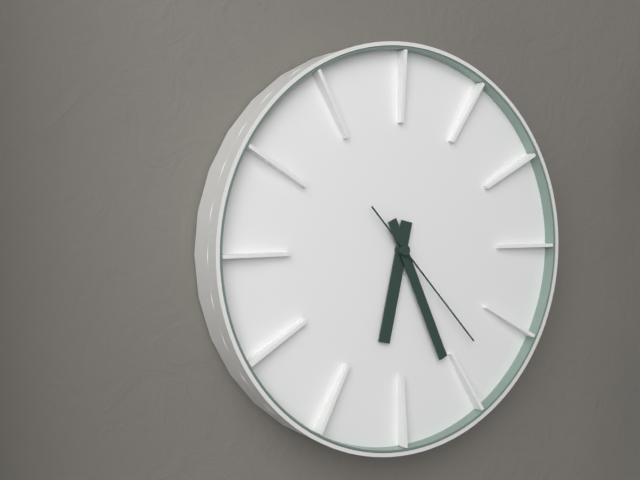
6:26:23
